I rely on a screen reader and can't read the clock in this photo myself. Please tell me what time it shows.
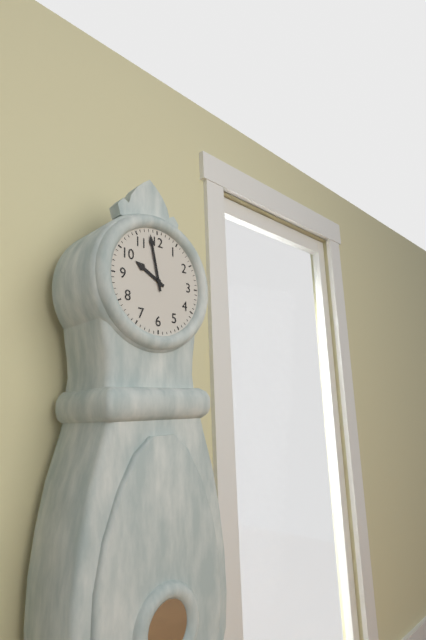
9:58
